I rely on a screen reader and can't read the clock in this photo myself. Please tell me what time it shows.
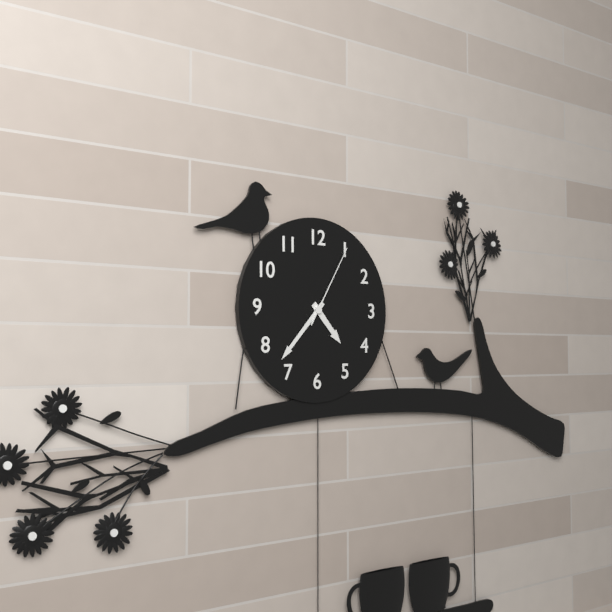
4:37:05
